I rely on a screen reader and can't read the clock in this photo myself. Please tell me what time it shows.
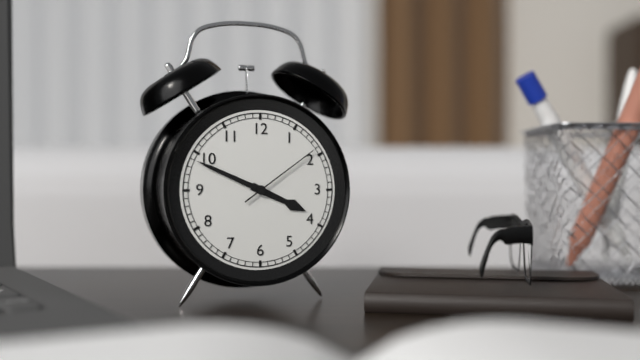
3:49:09
